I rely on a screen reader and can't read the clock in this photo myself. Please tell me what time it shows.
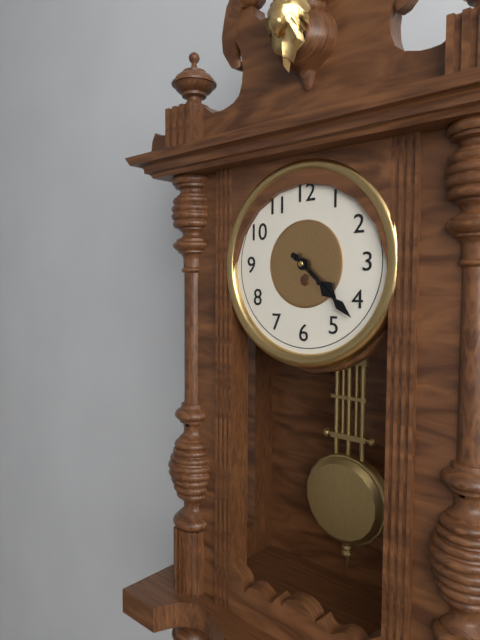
4:22
